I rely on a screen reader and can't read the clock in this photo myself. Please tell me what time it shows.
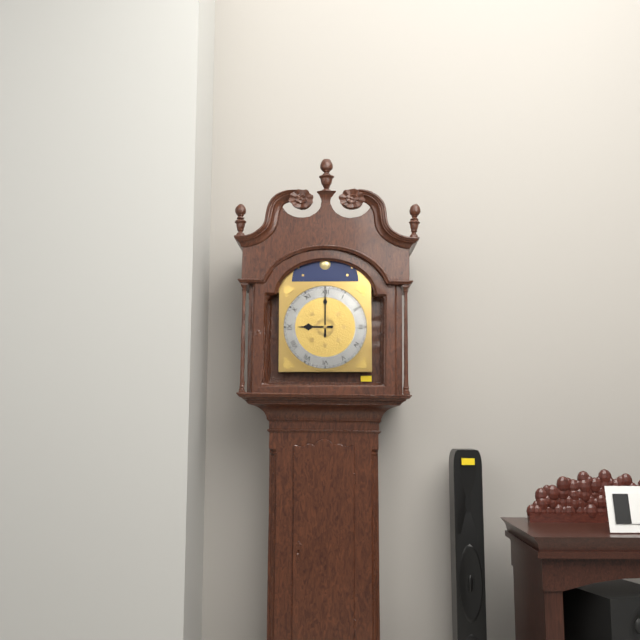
9:00
